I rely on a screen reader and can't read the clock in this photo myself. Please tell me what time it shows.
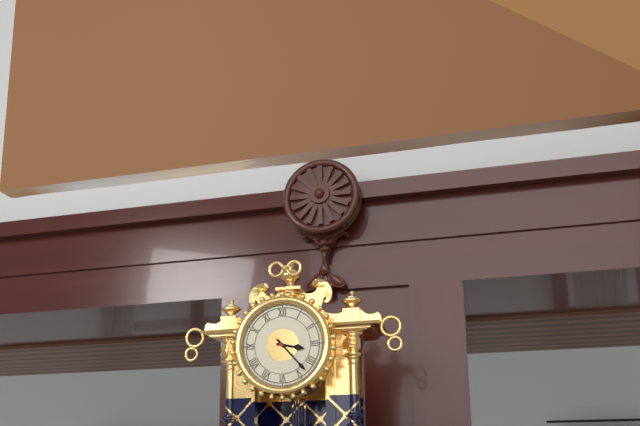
3:23
